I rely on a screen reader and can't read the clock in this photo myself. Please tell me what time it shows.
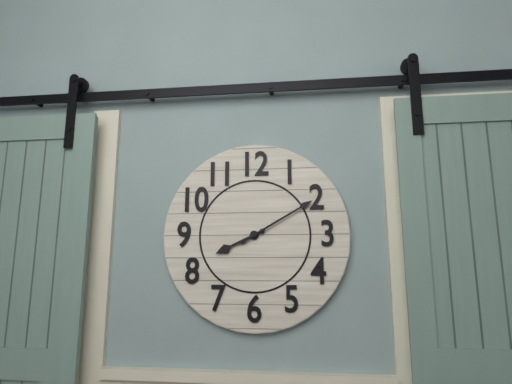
8:10
